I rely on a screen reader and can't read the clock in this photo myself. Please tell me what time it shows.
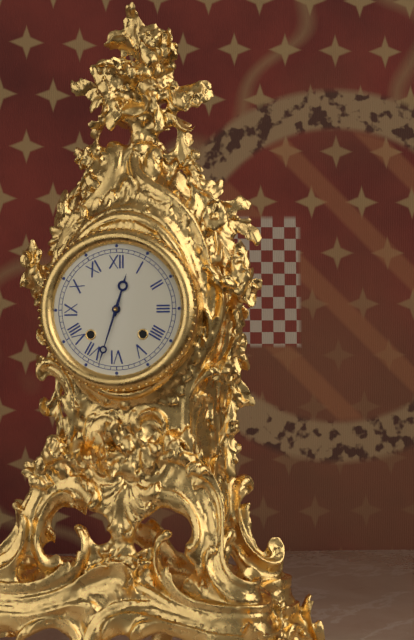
12:33
